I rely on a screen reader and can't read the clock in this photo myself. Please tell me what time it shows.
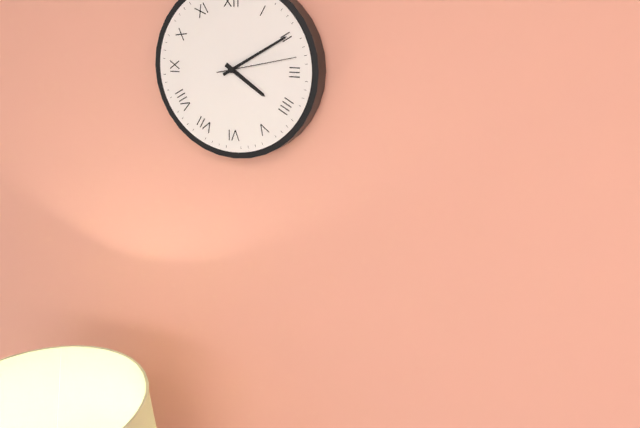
4:10:13
